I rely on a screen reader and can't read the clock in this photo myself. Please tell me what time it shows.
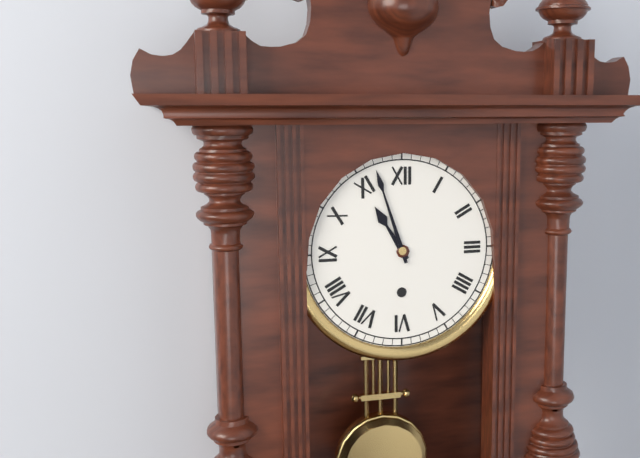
10:57
